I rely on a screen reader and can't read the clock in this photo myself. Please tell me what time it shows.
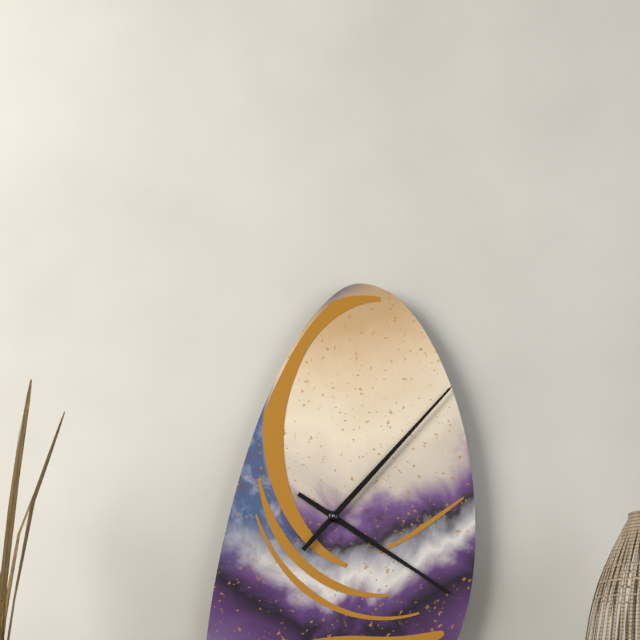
4:07
